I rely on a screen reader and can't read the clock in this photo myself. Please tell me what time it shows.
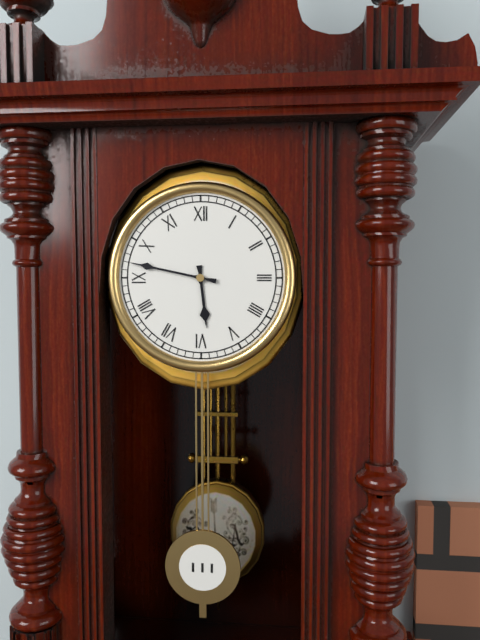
5:47
